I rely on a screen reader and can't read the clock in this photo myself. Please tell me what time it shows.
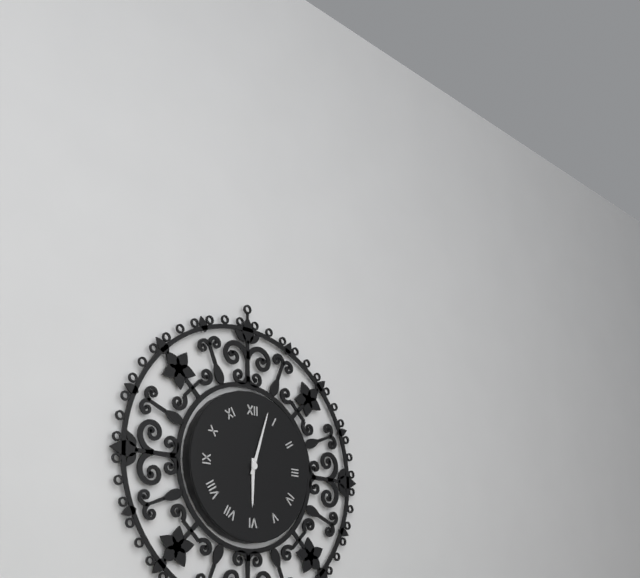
6:03
